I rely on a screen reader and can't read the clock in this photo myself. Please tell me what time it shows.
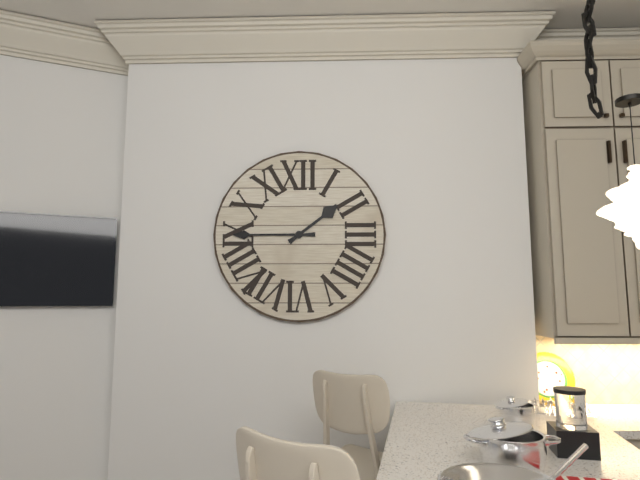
1:45
